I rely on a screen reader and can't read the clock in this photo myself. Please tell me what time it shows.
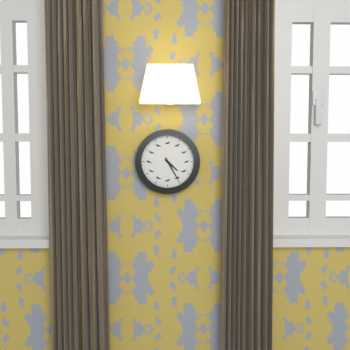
4:25
